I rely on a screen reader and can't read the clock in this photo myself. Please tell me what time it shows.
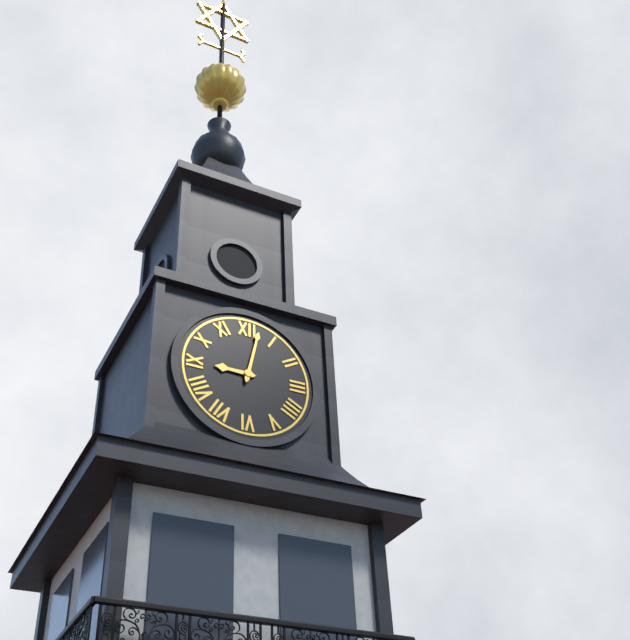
9:02
